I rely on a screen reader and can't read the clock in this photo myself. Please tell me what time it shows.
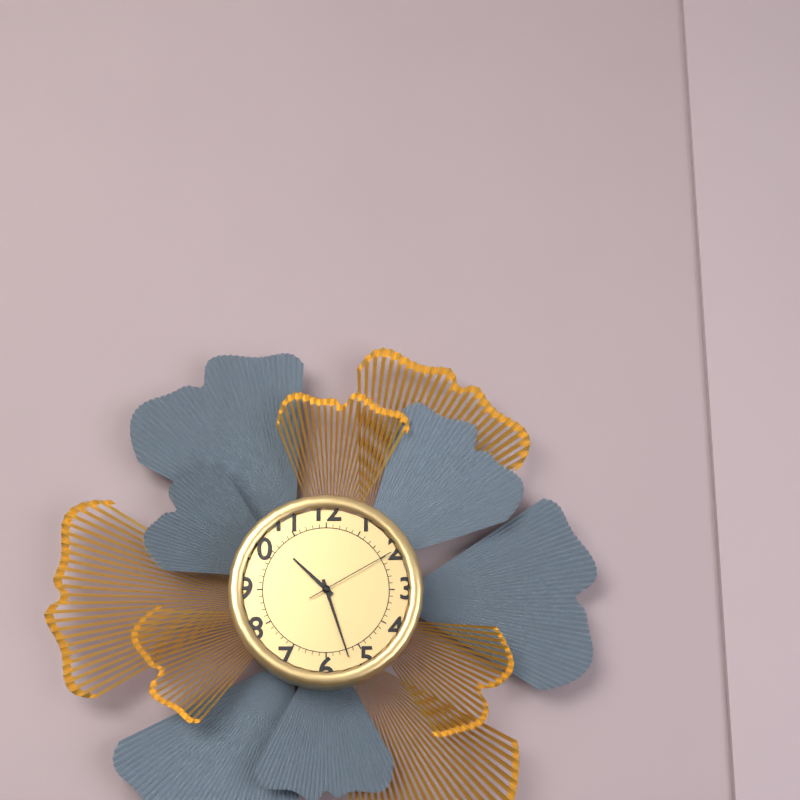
10:27:10
